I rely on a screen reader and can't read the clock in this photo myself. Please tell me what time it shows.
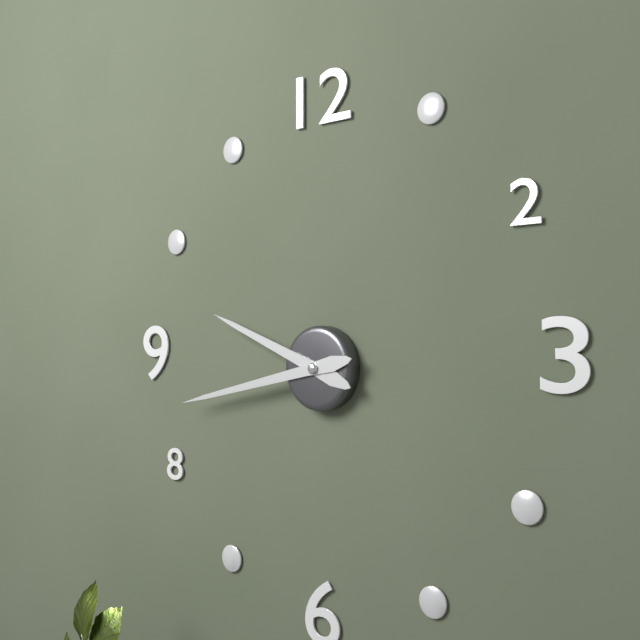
9:43
